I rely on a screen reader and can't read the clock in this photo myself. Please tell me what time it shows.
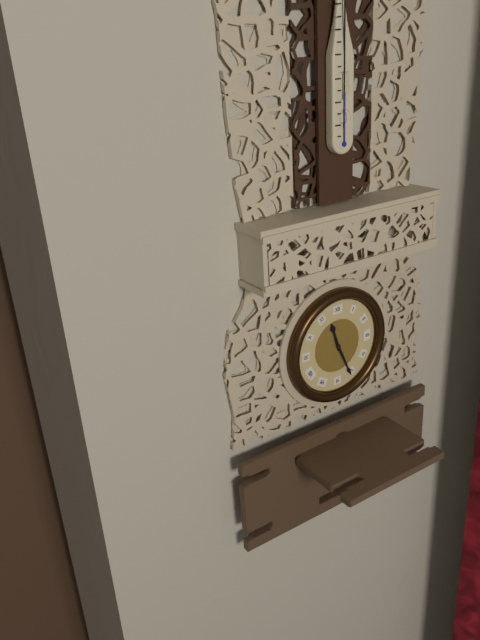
11:26
